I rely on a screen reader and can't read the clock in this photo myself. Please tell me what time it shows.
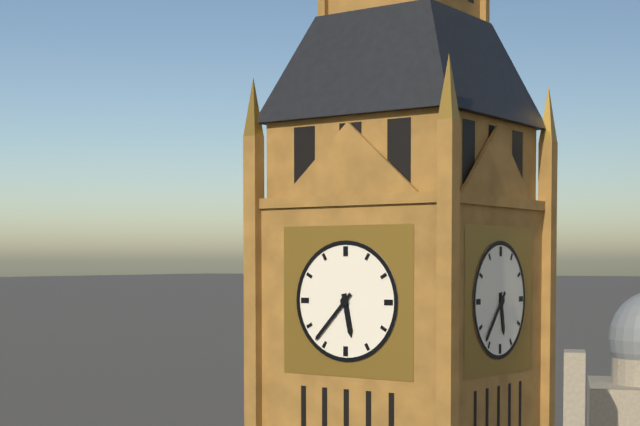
5:37
